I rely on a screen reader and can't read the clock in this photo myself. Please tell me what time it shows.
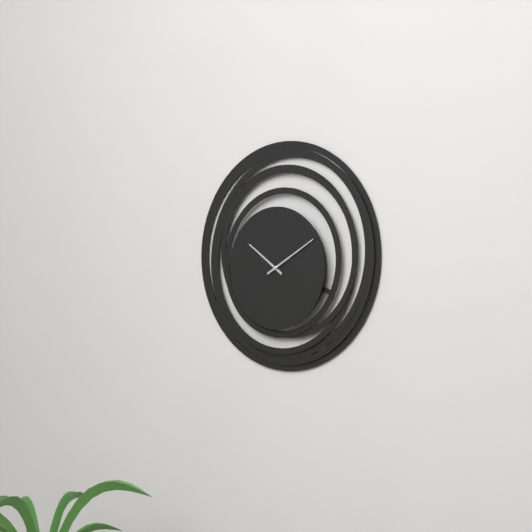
10:10
